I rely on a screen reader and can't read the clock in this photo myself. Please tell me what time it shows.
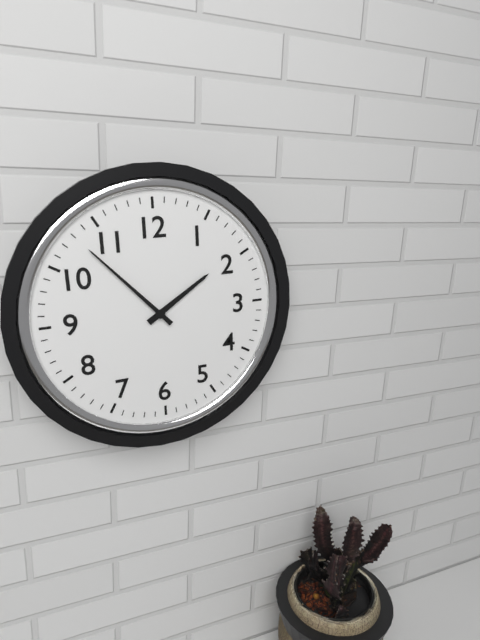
1:53
